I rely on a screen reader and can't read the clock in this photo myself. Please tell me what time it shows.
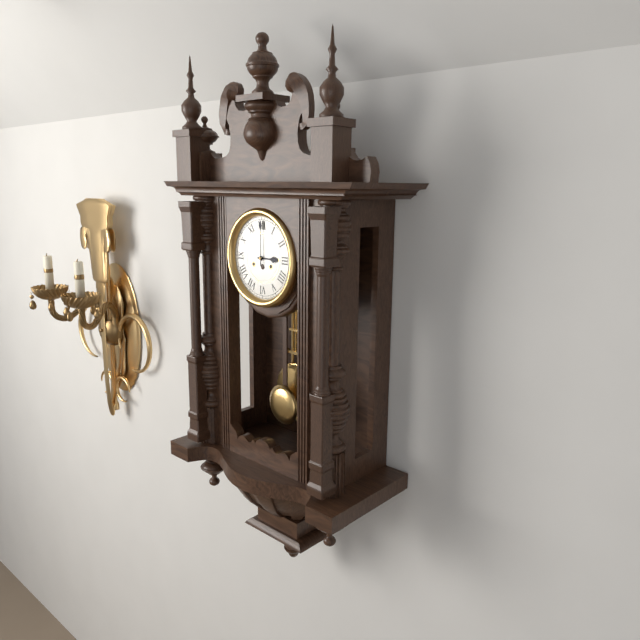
3:00
